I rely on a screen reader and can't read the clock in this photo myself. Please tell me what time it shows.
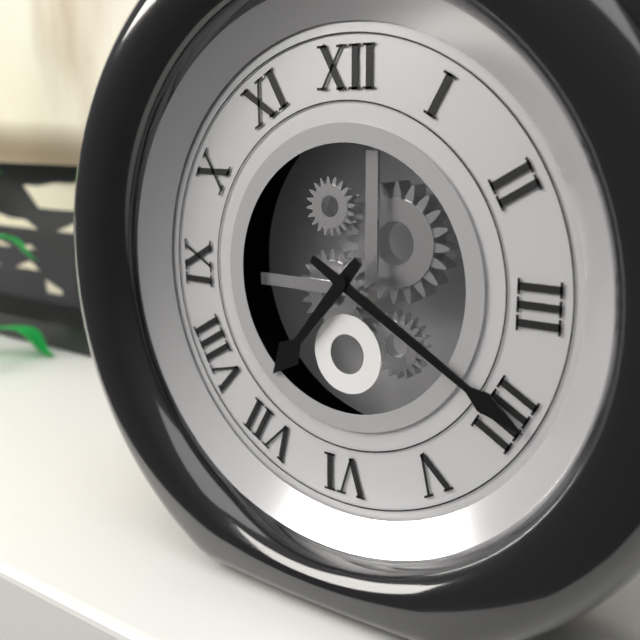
7:20
